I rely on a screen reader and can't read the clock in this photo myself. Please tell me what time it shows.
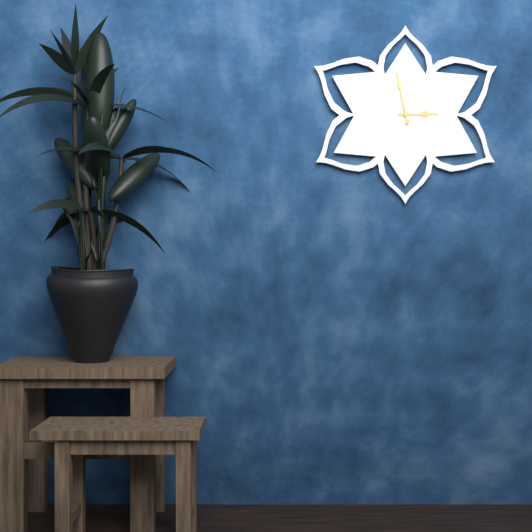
2:58
